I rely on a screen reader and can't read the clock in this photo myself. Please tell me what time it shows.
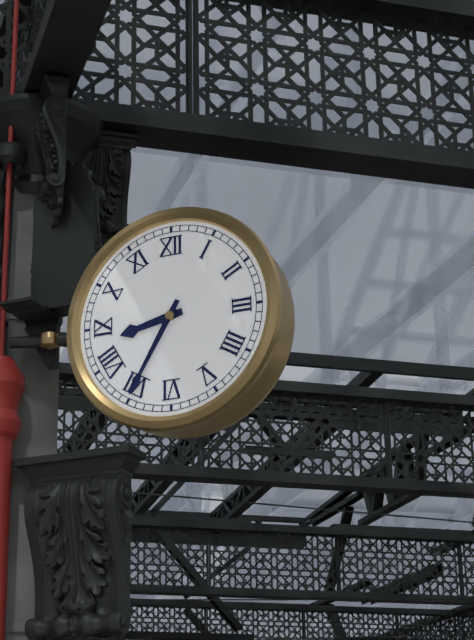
8:35
